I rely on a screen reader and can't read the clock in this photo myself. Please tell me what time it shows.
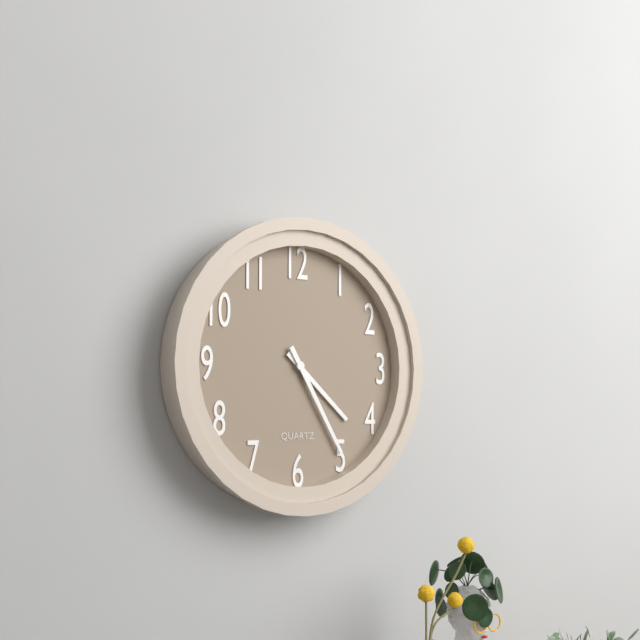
4:25
